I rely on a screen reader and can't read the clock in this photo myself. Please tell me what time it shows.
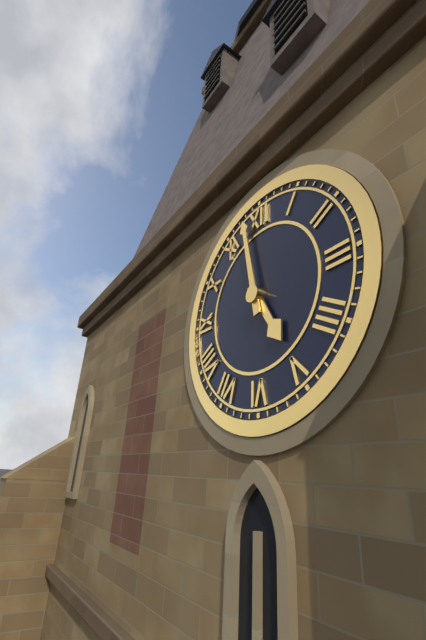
4:58
